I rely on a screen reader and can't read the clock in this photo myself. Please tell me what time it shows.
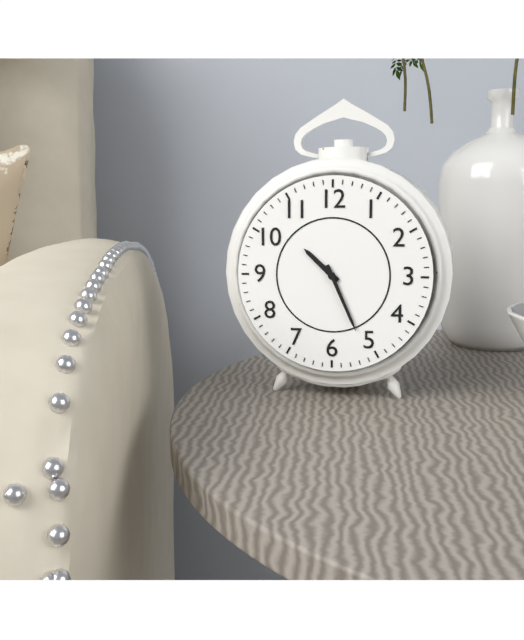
10:26
